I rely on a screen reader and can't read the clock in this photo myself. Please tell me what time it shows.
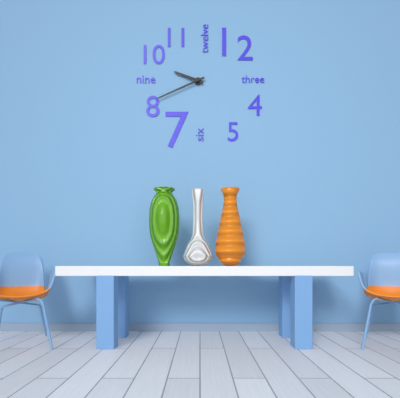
9:41
